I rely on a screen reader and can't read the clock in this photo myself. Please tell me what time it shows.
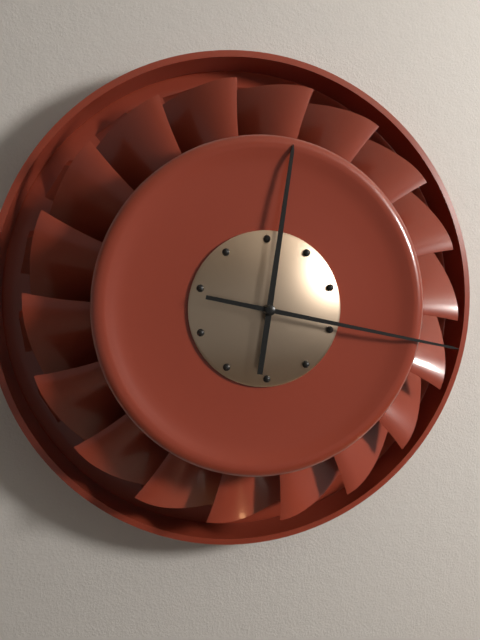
12:17
